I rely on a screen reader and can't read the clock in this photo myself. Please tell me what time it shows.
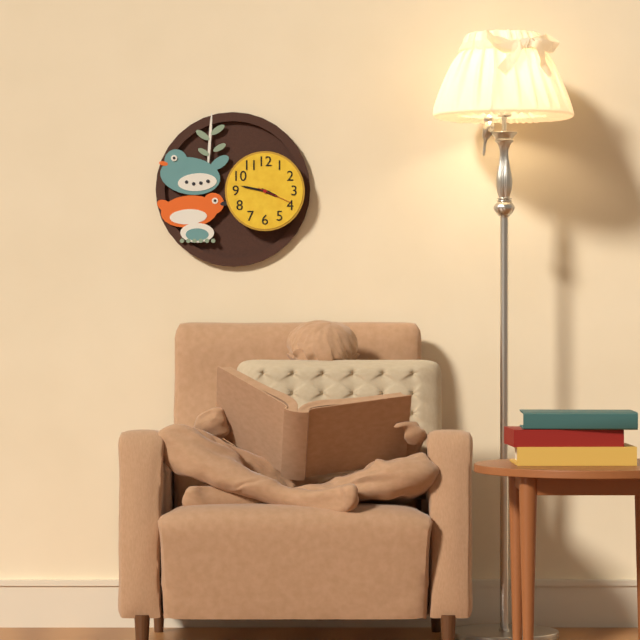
3:47
